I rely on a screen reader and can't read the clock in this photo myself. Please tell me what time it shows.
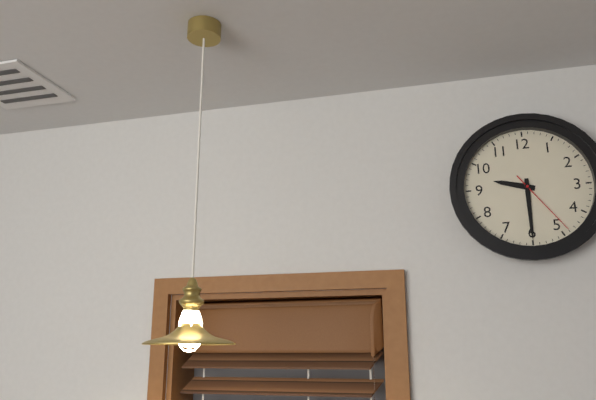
9:30:24
